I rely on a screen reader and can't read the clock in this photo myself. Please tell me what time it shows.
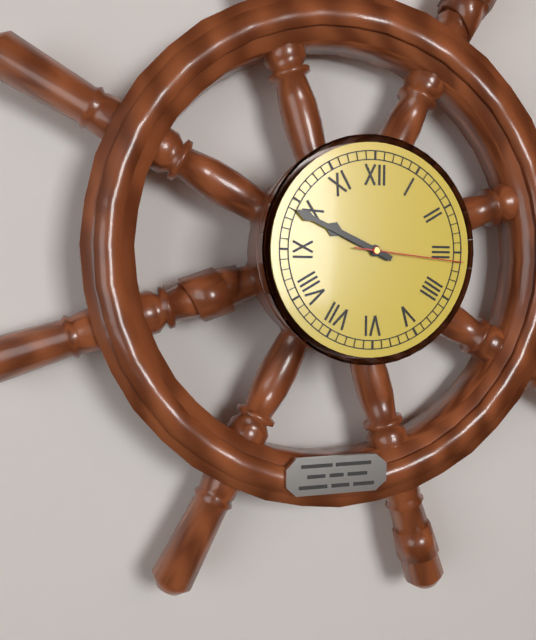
9:49:16
